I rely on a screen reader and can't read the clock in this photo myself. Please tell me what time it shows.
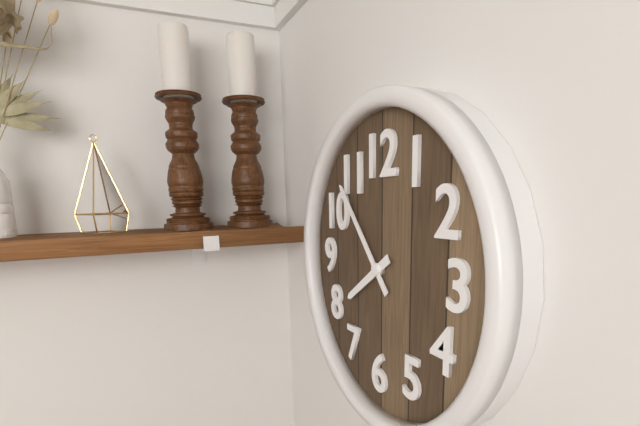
7:53
